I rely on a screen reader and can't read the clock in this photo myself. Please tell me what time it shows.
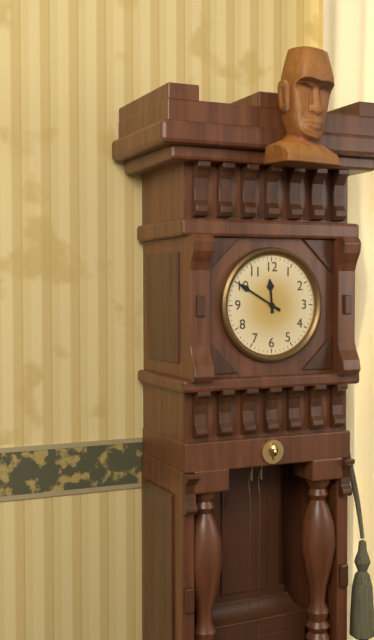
11:50
